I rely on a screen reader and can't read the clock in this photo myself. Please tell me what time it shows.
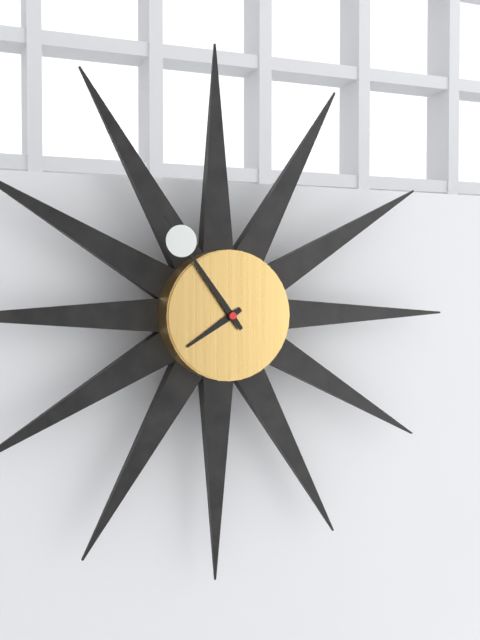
7:54
